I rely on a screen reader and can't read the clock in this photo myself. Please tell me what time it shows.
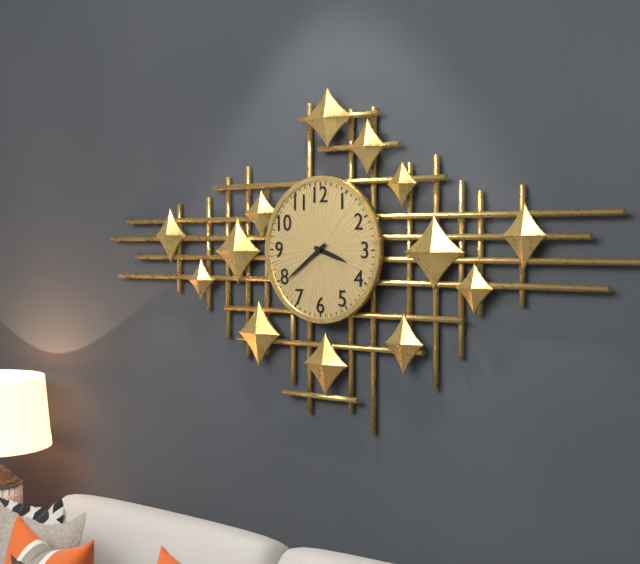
3:39
